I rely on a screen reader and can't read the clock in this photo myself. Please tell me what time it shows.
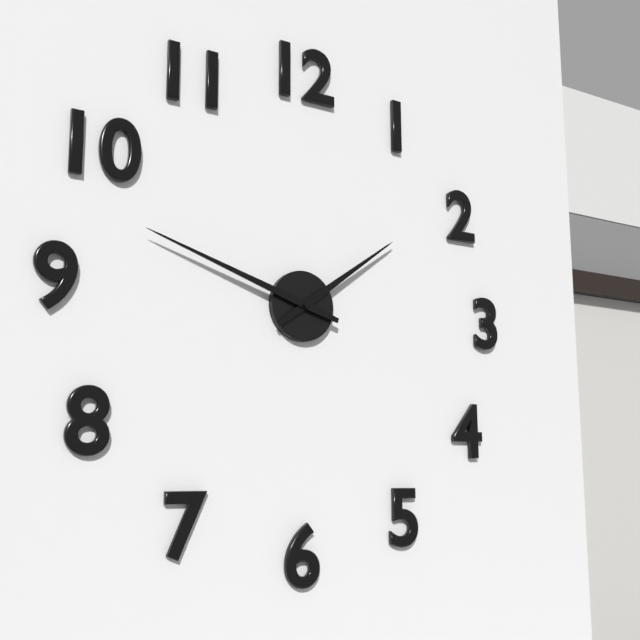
1:48
